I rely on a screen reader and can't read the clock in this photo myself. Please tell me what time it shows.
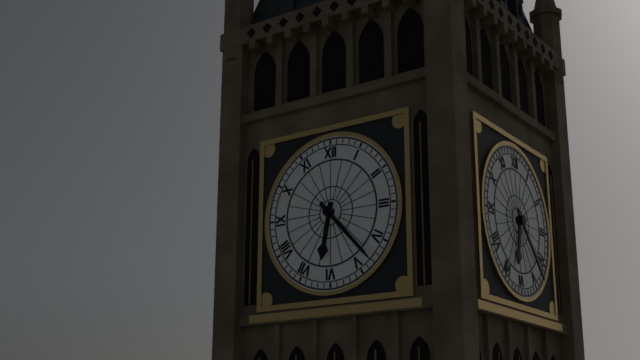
6:23
